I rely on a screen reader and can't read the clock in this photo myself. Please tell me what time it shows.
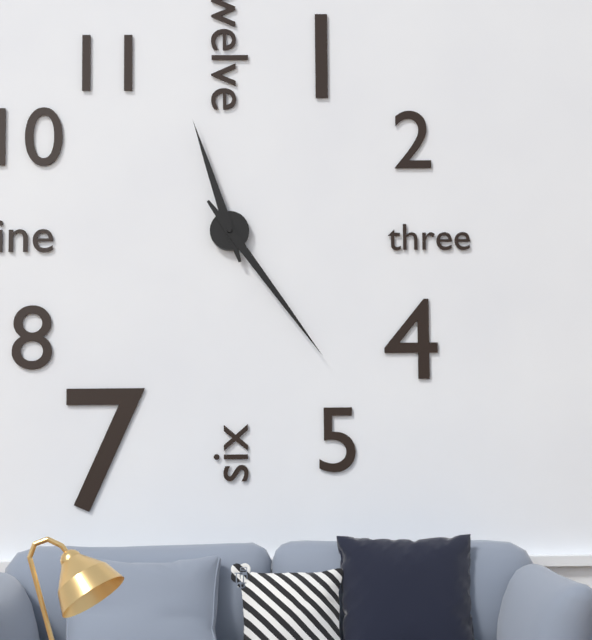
11:24
